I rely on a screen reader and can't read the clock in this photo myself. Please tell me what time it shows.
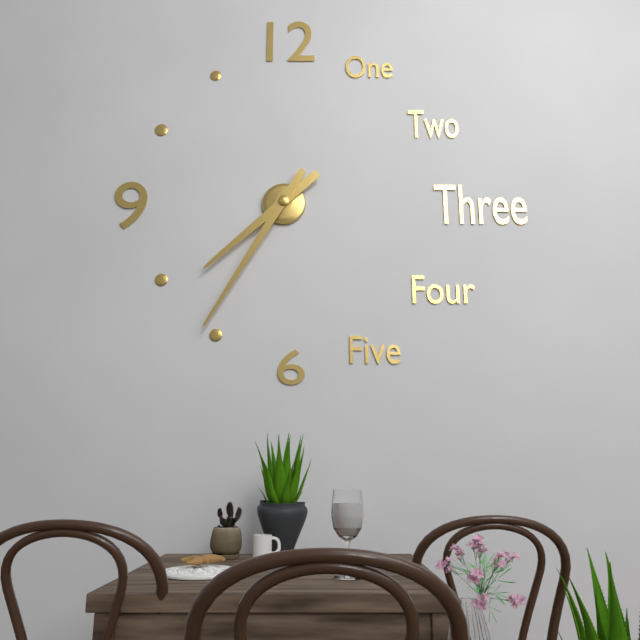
7:35
